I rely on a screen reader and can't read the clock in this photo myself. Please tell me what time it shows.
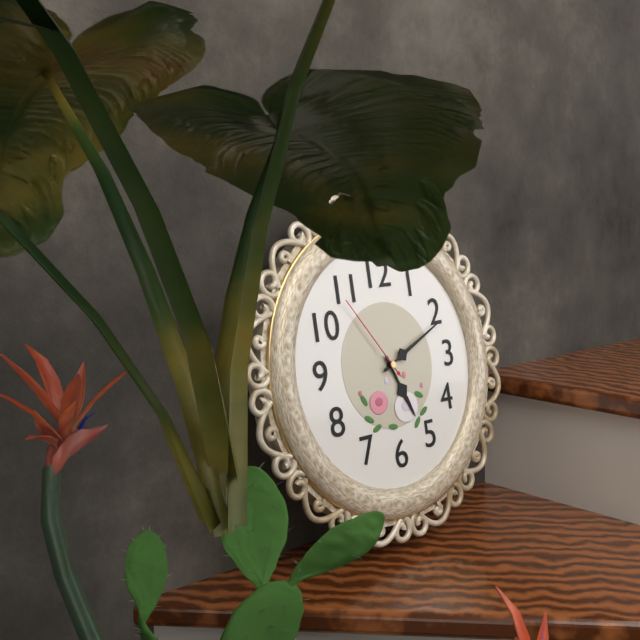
5:11:54
